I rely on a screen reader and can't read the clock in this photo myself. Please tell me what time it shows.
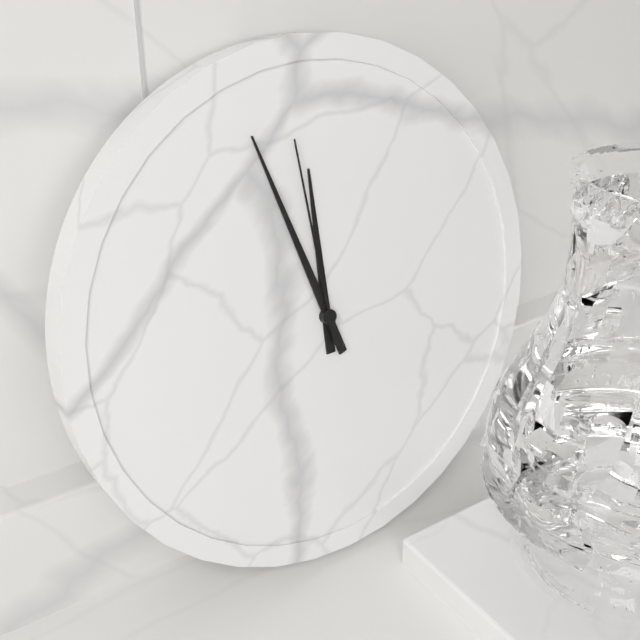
11:57:59
